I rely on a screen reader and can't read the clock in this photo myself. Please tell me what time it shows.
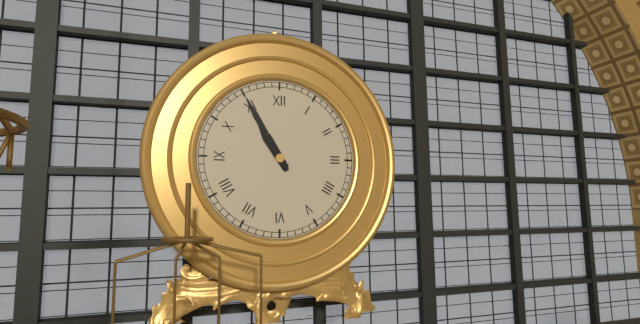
10:55
